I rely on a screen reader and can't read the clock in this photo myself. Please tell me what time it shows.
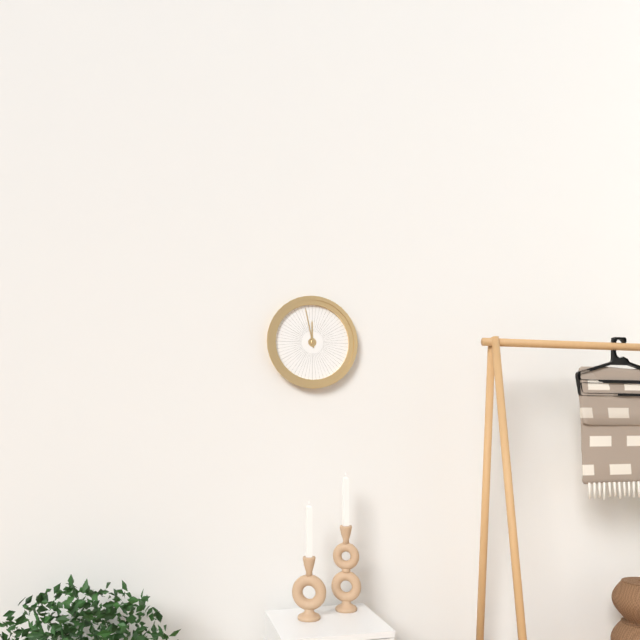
11:58
